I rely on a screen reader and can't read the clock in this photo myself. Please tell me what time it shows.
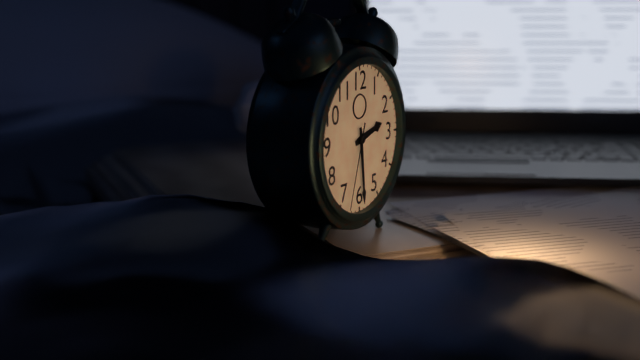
2:29:33
